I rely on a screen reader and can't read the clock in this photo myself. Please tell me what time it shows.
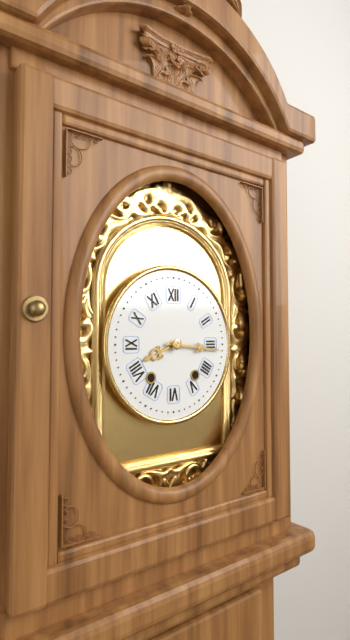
8:16
